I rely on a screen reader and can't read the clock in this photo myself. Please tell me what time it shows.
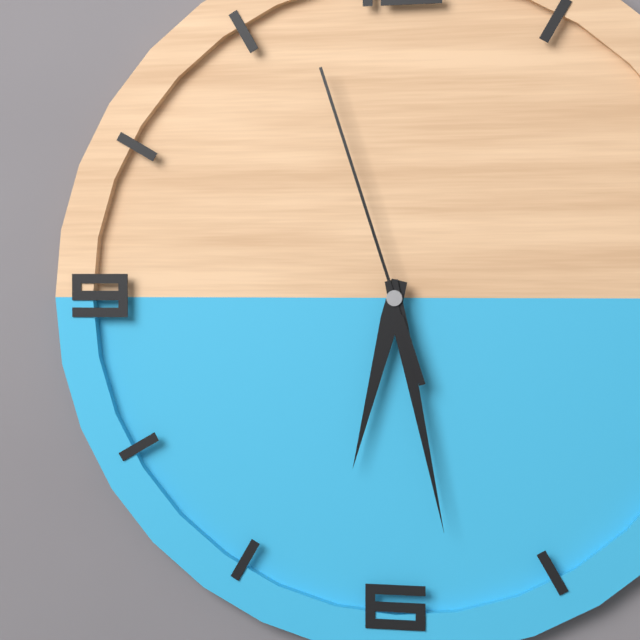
6:28:57
